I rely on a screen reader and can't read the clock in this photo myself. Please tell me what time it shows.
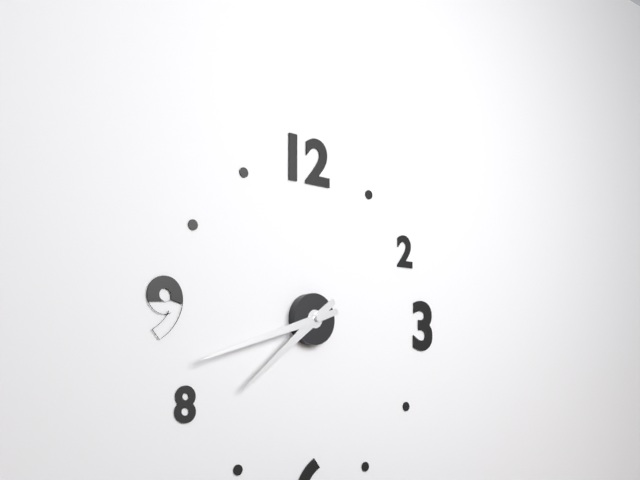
7:42
